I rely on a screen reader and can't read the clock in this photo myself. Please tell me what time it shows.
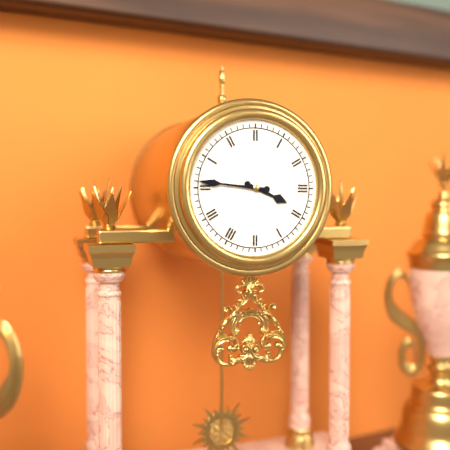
3:46
